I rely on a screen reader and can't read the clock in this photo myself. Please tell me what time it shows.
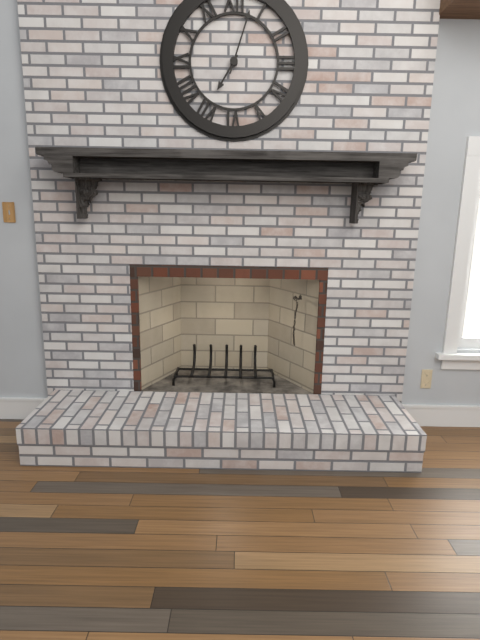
7:03
